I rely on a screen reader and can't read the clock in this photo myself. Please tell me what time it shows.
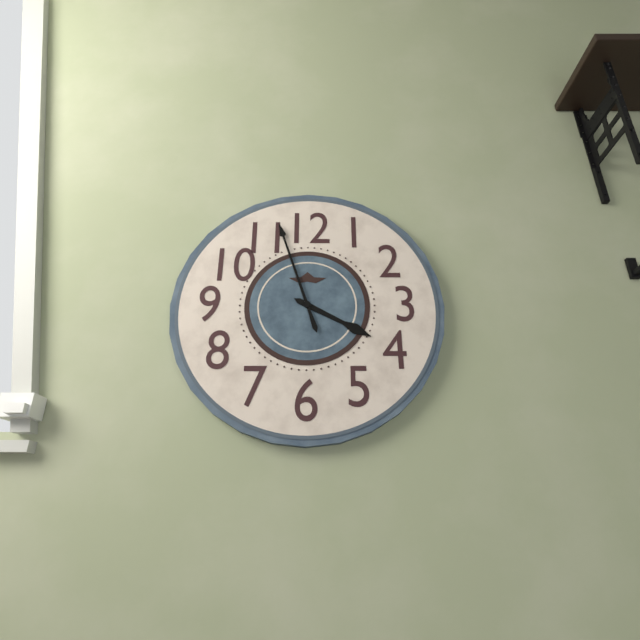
3:57
